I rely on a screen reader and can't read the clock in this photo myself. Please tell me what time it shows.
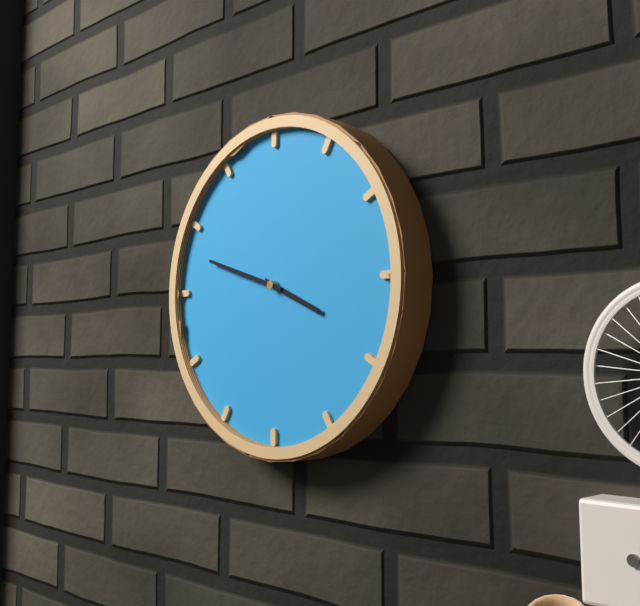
3:48
